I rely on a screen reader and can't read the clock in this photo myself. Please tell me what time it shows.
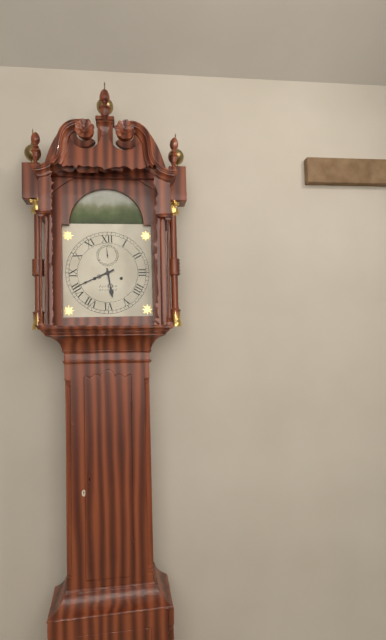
5:41
